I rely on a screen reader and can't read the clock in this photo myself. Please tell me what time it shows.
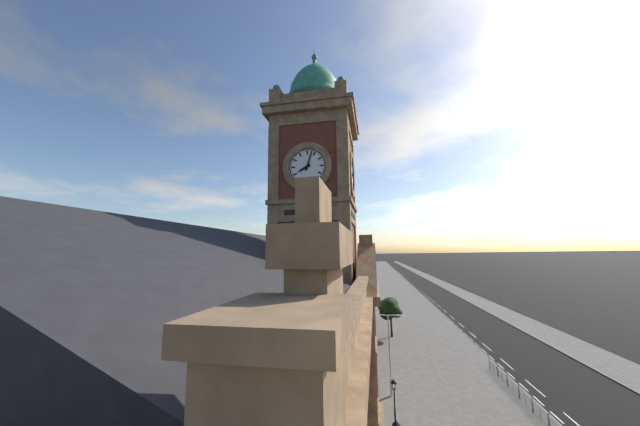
8:03
